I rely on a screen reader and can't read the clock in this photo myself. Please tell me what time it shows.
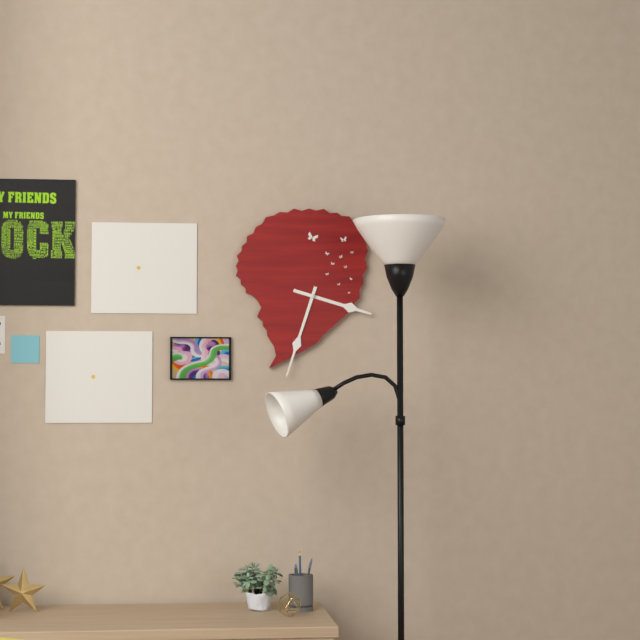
3:33
